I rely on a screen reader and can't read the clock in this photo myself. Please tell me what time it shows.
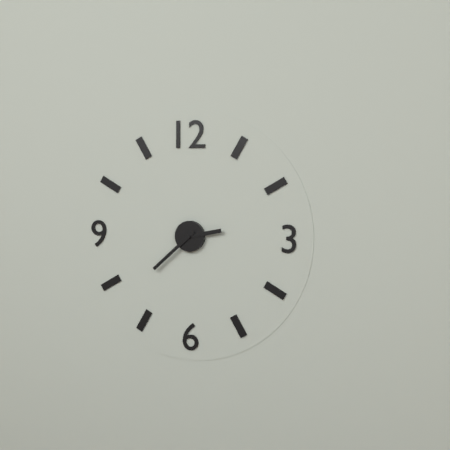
2:38
